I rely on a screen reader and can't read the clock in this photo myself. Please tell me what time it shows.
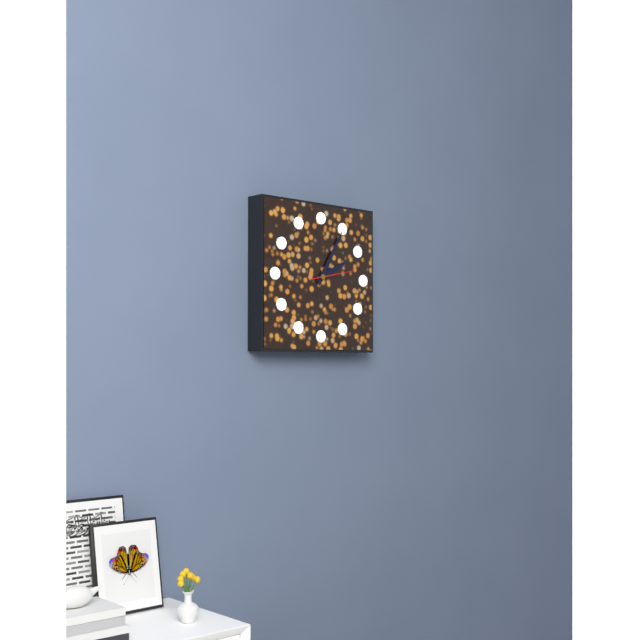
2:05
